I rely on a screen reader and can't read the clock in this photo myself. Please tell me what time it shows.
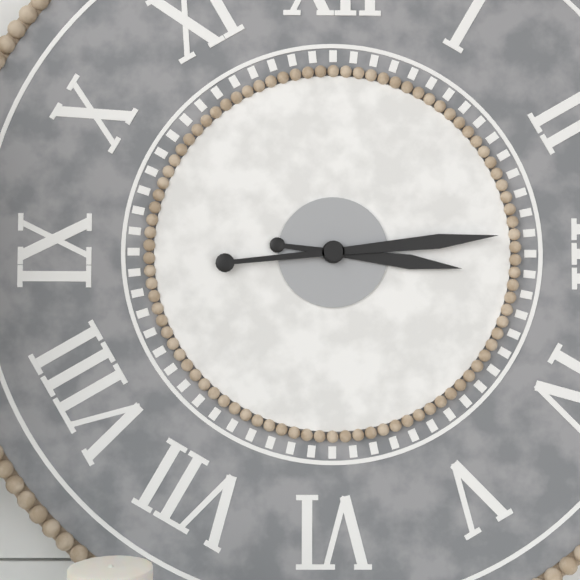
3:14
